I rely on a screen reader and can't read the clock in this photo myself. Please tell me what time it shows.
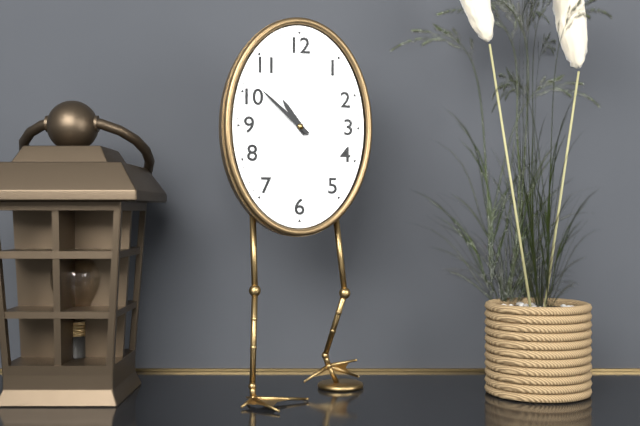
10:52
